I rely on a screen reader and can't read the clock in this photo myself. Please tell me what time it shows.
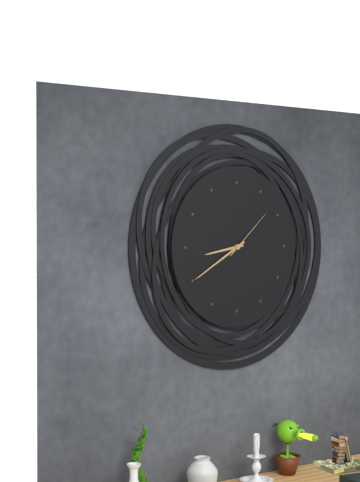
8:40:08
